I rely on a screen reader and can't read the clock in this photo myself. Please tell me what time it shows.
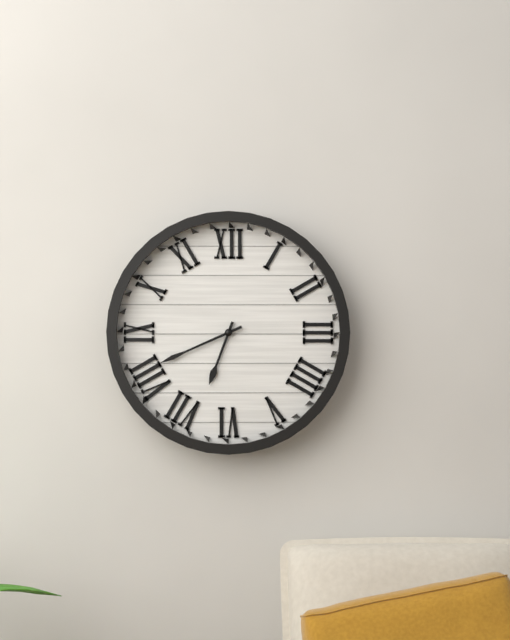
6:41
